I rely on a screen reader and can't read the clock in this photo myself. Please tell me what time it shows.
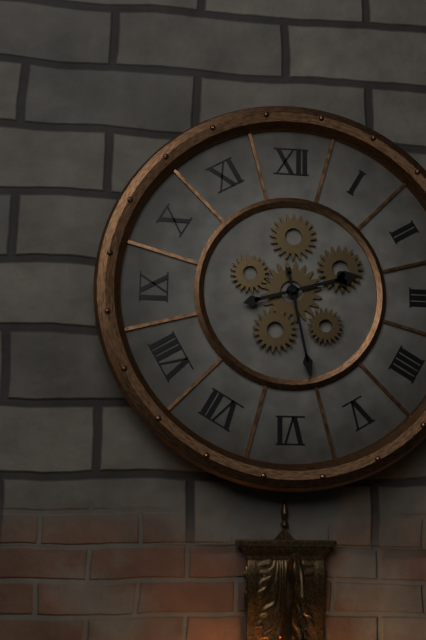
2:28
